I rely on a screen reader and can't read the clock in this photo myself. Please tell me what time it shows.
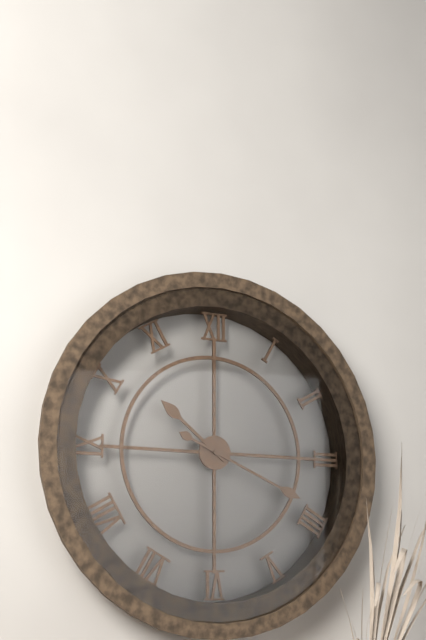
10:19
